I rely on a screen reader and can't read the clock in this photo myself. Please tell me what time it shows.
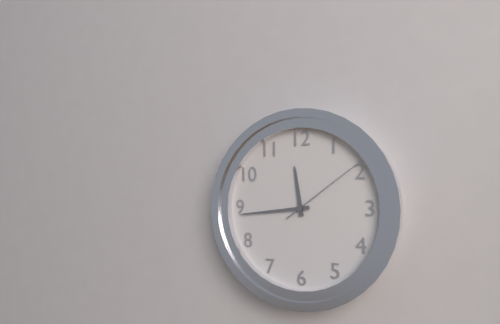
11:44:09
